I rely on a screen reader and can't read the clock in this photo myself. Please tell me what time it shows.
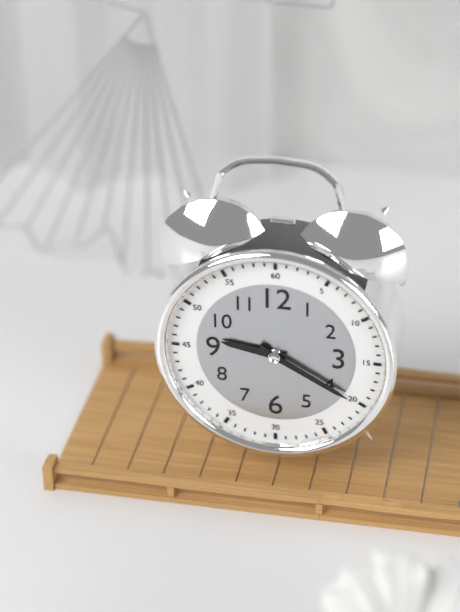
9:20
